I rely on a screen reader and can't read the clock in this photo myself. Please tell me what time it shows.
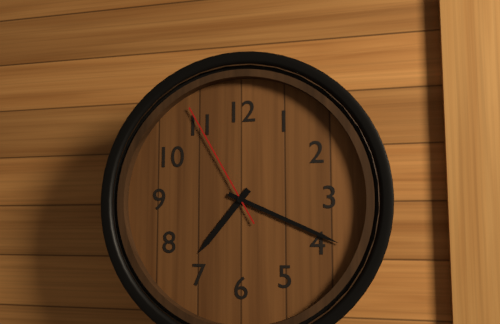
7:19:55
